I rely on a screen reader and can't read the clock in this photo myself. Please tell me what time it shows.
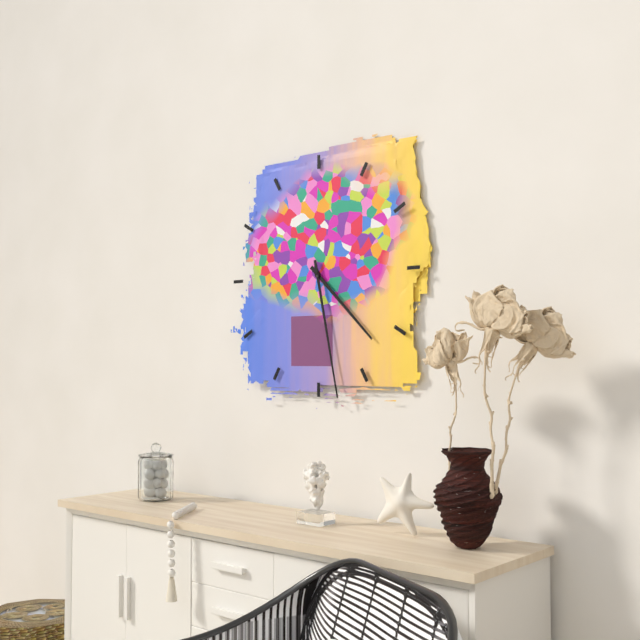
4:28
